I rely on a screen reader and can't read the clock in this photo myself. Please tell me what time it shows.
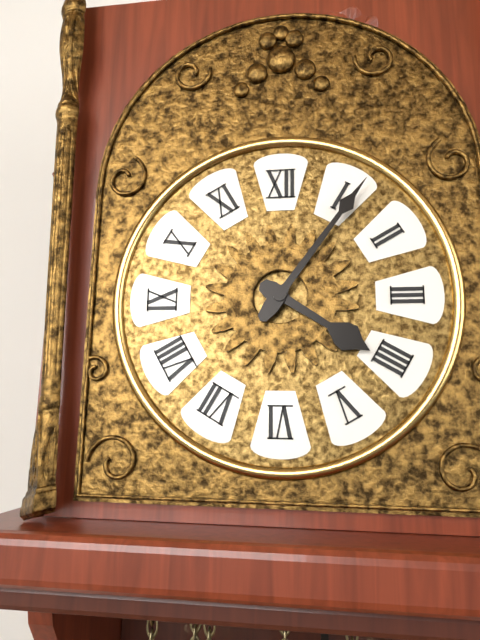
4:06
